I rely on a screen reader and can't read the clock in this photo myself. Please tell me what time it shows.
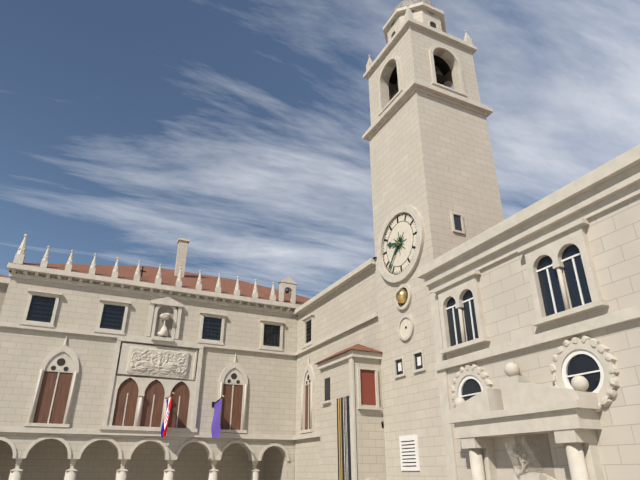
9:37
